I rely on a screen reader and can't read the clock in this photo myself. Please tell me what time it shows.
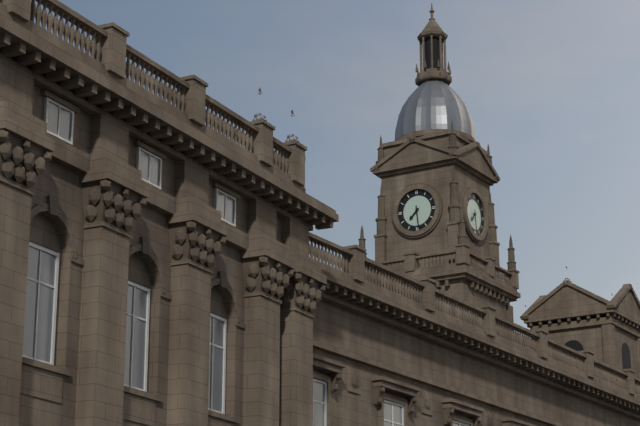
7:29
